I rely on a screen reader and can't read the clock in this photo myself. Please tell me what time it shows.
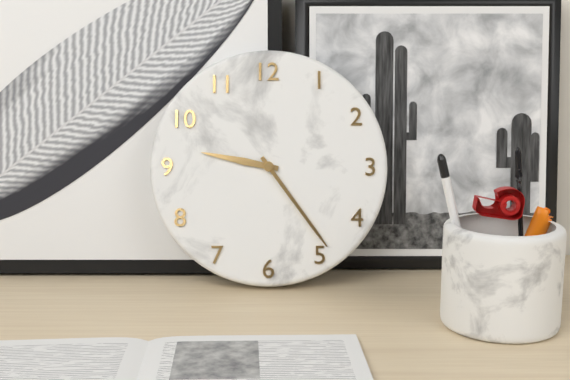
9:24
